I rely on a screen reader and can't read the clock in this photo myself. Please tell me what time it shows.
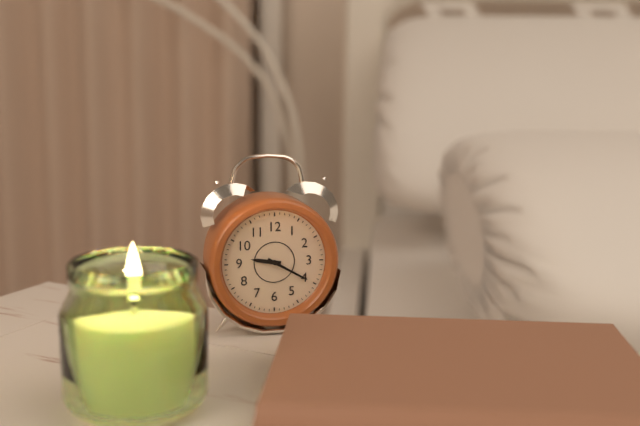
9:20
